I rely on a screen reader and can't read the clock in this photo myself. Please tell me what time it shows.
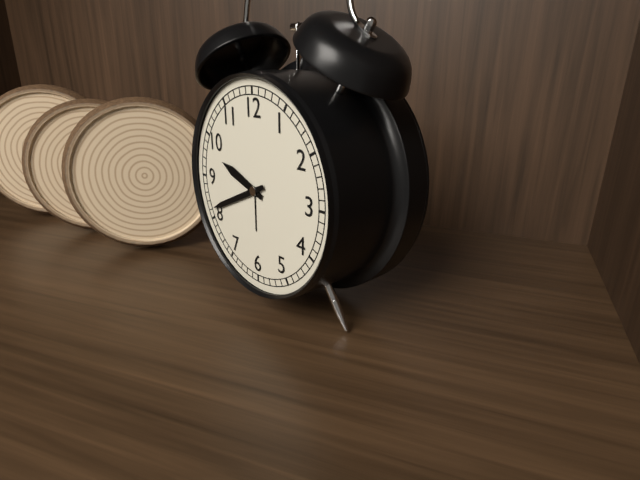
9:41
